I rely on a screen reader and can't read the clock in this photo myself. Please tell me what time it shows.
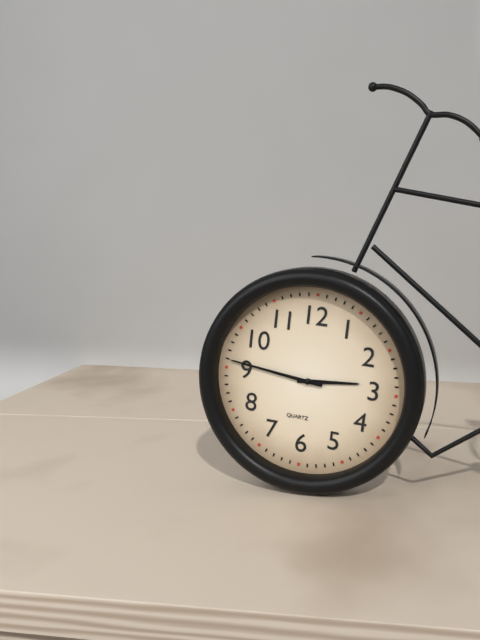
2:46
